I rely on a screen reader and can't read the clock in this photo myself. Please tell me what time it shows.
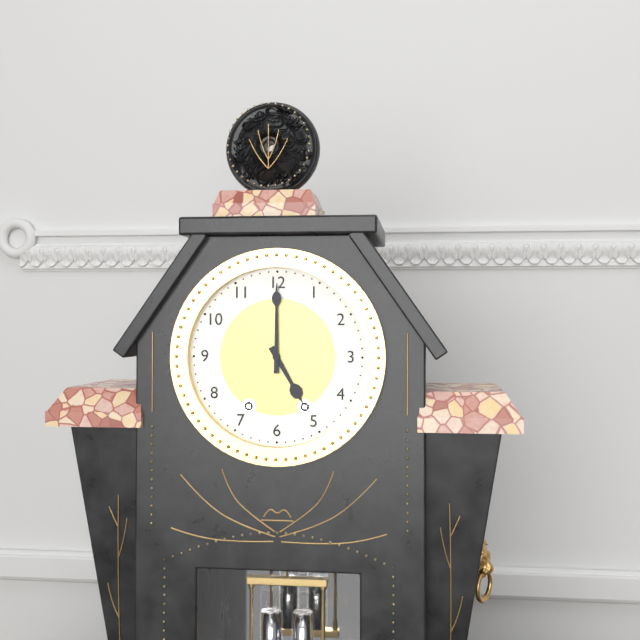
5:00
